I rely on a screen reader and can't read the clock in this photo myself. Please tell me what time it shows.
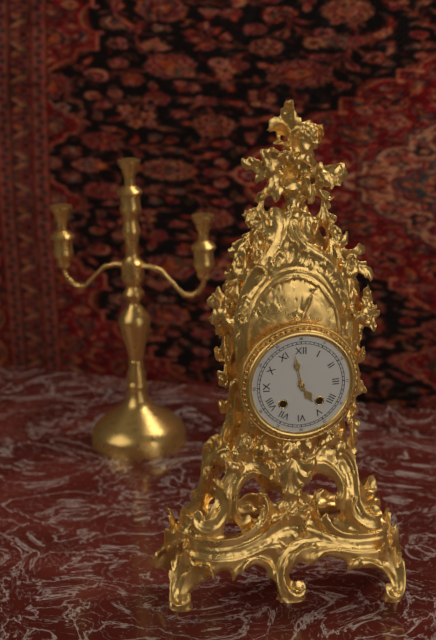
4:58
